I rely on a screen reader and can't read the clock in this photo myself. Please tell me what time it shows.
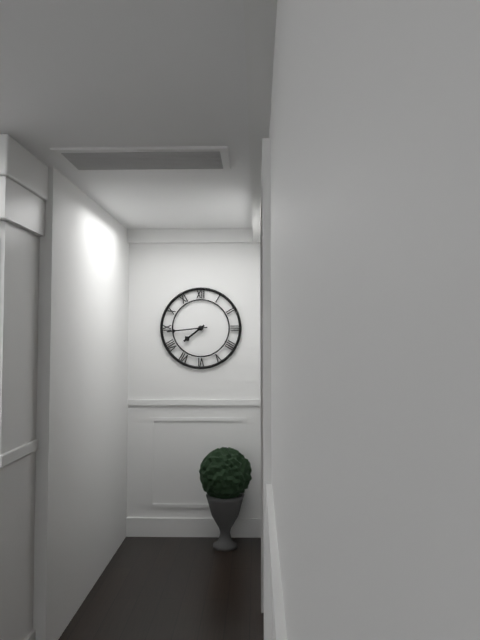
7:44
